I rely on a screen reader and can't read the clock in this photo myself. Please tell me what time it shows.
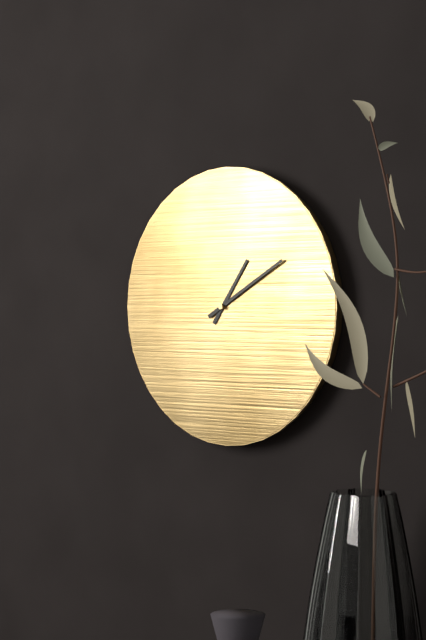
1:10
